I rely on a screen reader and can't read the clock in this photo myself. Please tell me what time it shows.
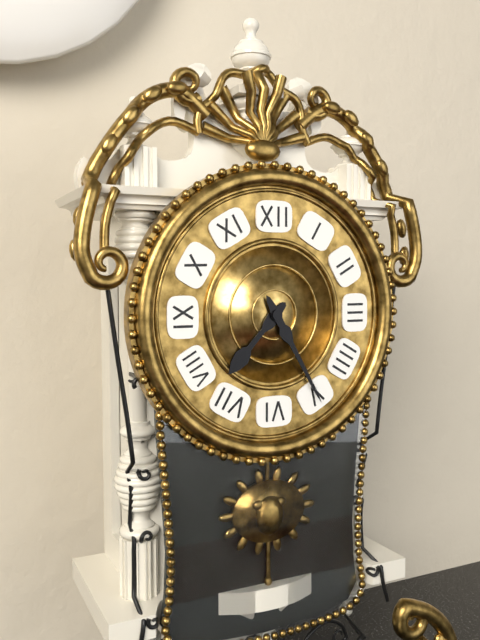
7:25
